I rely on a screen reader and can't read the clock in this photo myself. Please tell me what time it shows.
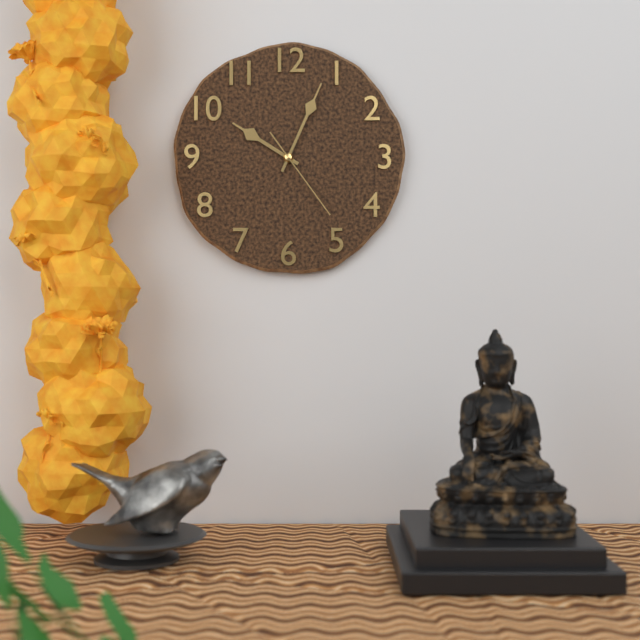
10:04:24
